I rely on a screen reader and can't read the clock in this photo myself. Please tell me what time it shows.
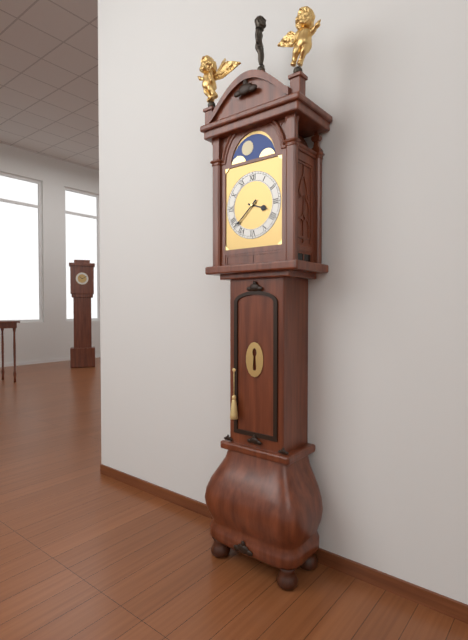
3:38
